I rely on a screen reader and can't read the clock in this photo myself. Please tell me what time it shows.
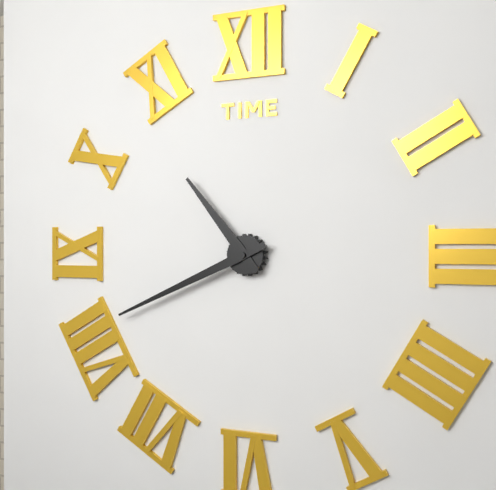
10:41
